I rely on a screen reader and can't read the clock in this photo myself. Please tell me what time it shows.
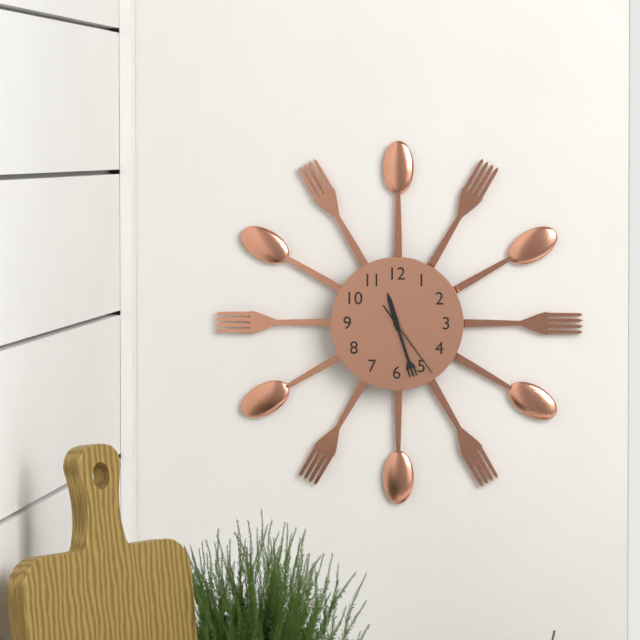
11:27:24
